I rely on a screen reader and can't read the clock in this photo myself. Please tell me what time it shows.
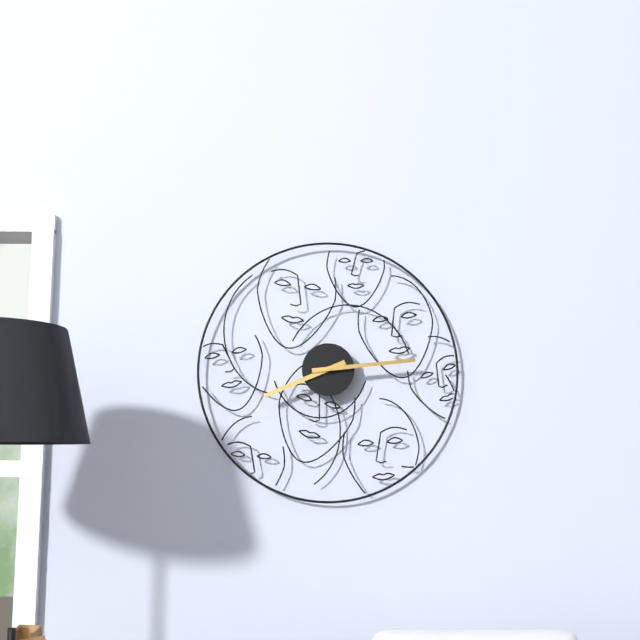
8:14
